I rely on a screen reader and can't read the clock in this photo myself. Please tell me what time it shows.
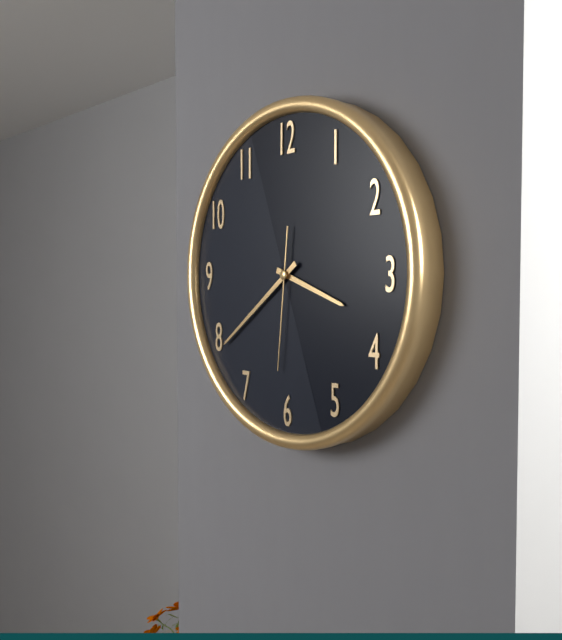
3:39:31
